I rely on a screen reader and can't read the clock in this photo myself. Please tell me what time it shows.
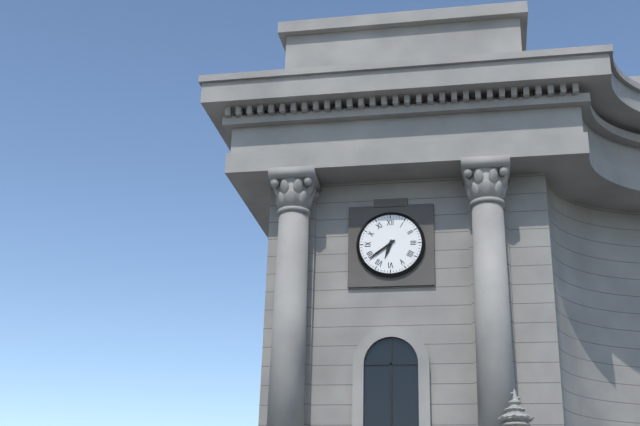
6:39
